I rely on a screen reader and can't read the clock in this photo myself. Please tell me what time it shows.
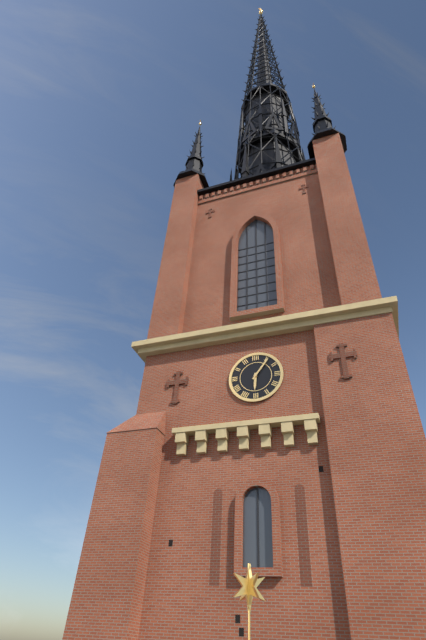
6:06
